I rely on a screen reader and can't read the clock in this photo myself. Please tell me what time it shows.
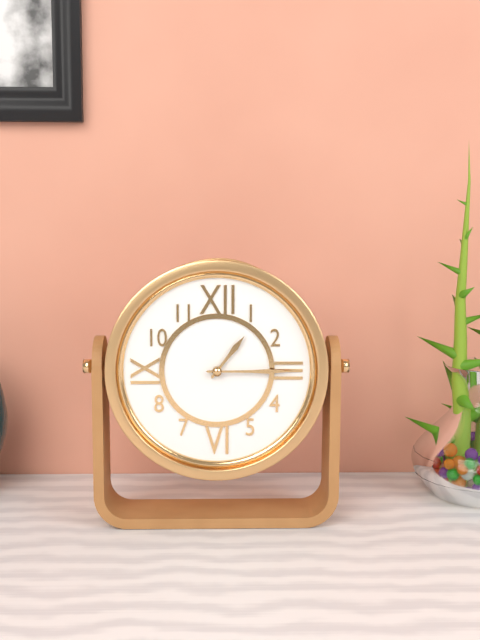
1:15
